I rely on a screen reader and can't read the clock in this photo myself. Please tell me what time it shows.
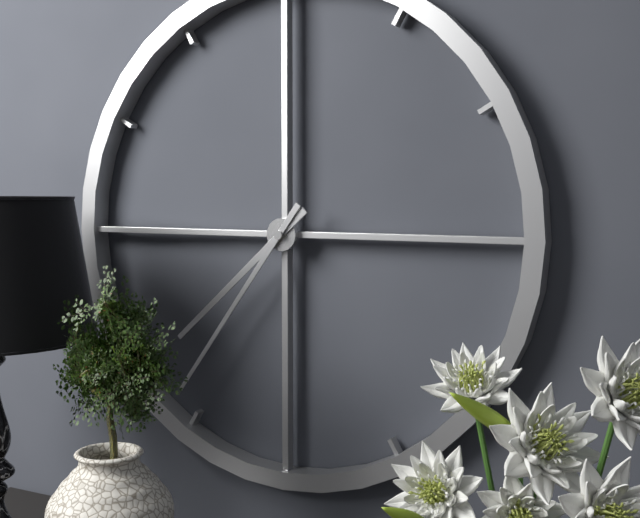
7:36
